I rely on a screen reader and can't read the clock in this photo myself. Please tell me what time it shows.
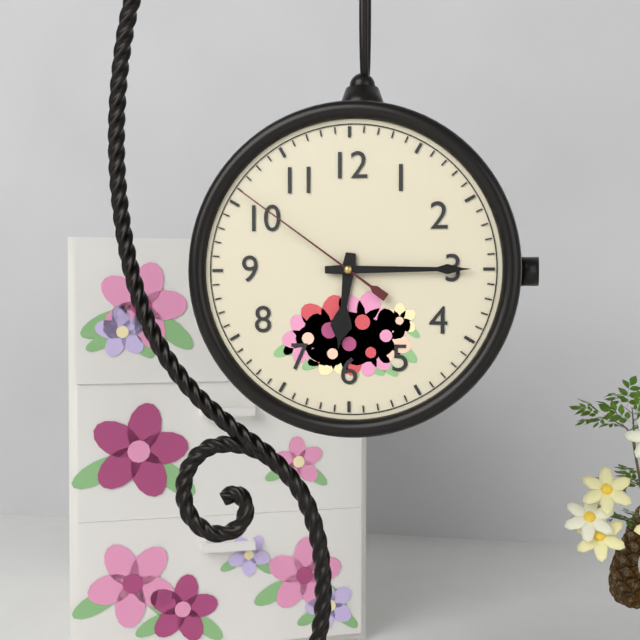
6:15:51
